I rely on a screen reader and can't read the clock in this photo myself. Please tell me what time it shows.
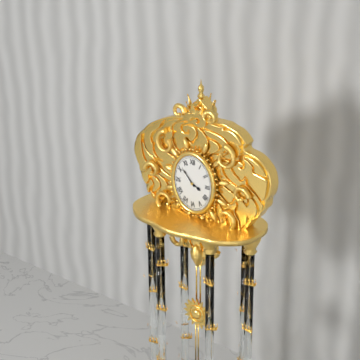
3:53
